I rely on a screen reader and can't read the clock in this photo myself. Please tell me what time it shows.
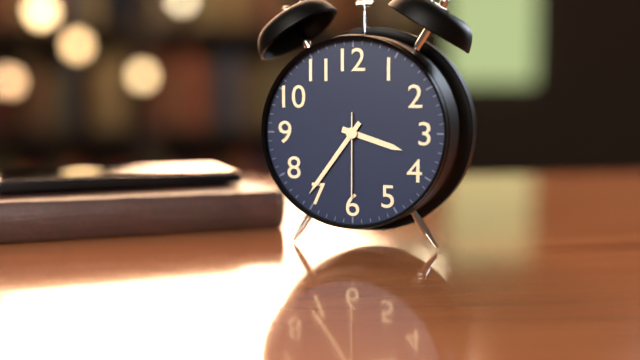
3:36:30
